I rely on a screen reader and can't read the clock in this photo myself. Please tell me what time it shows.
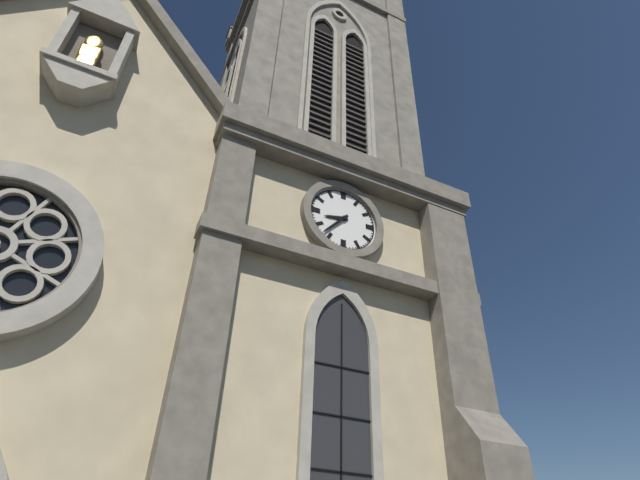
8:37
